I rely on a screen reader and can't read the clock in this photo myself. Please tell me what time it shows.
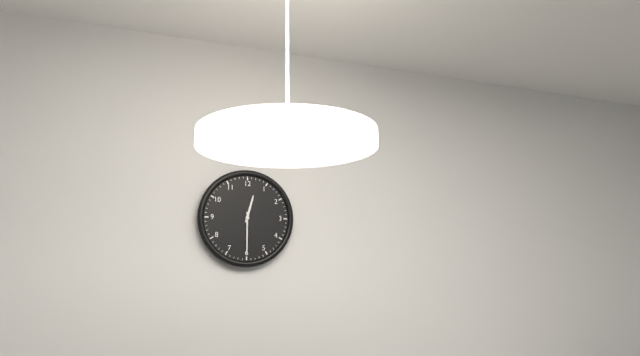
12:30
